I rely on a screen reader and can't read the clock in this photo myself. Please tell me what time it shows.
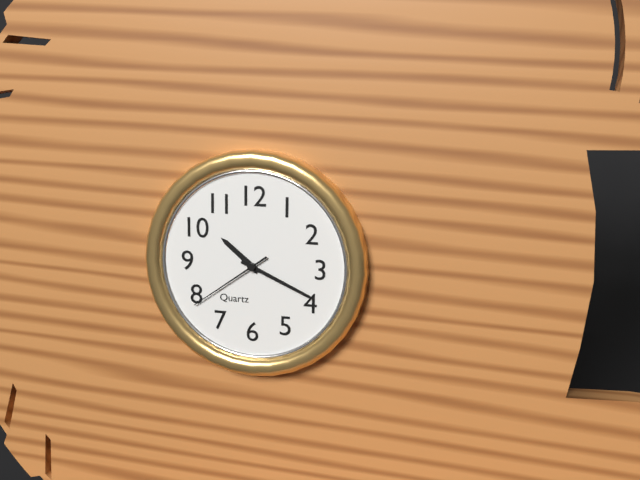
10:19:39
